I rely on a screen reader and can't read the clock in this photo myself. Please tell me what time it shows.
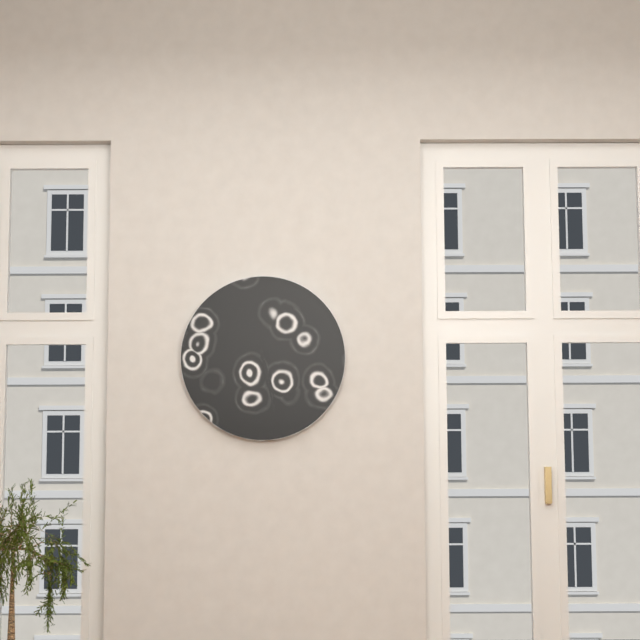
5:28
